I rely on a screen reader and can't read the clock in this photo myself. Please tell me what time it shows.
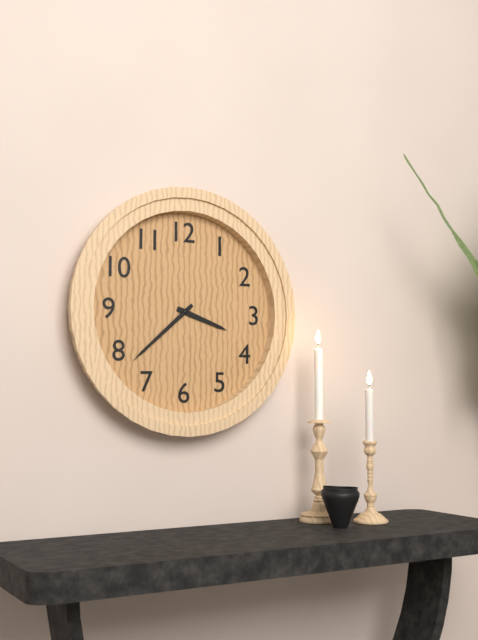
3:38
